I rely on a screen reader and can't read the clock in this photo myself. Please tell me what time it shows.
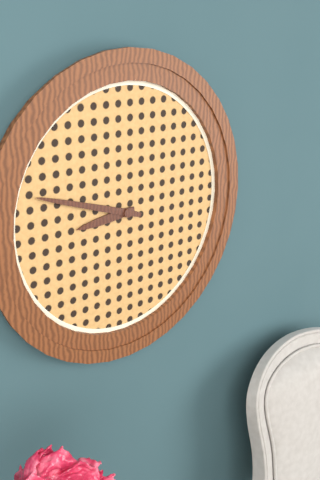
8:48
